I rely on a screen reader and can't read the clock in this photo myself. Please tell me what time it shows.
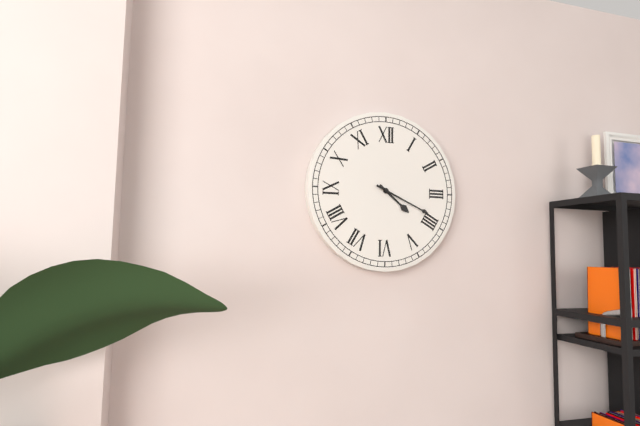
4:19
